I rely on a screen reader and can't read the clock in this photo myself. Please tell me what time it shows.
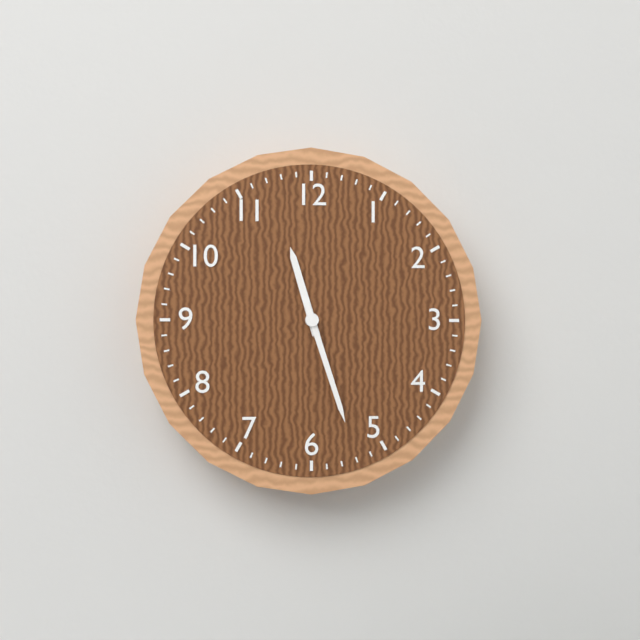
11:27
